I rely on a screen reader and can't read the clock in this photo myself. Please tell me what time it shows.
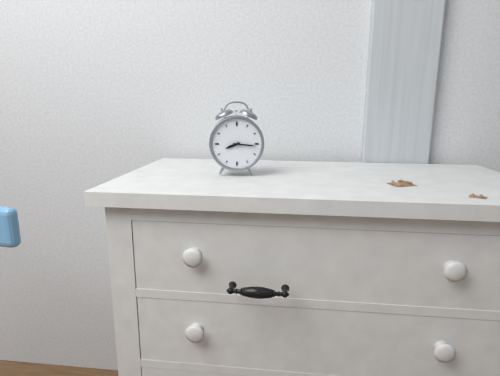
8:16
